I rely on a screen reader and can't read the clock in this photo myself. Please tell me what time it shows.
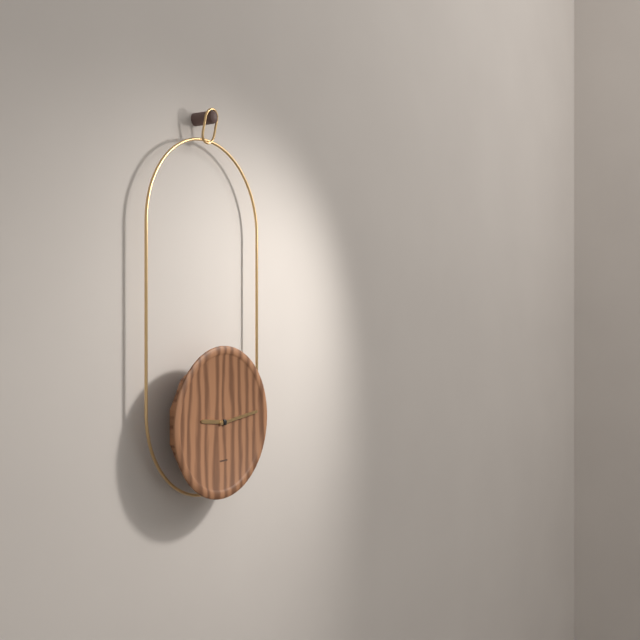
9:14
